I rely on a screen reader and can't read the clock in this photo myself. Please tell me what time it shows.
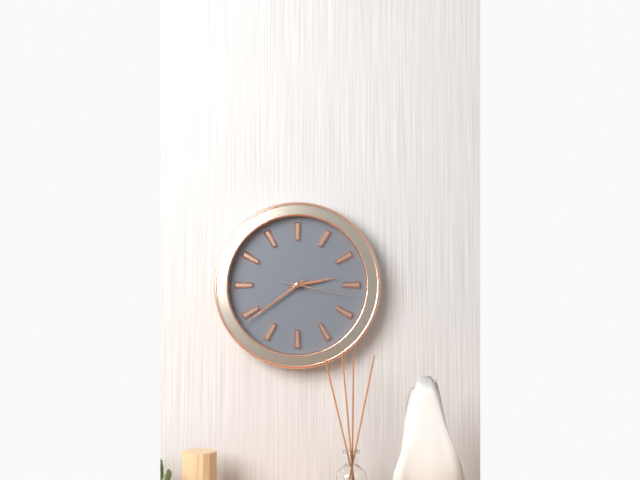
2:39:17
